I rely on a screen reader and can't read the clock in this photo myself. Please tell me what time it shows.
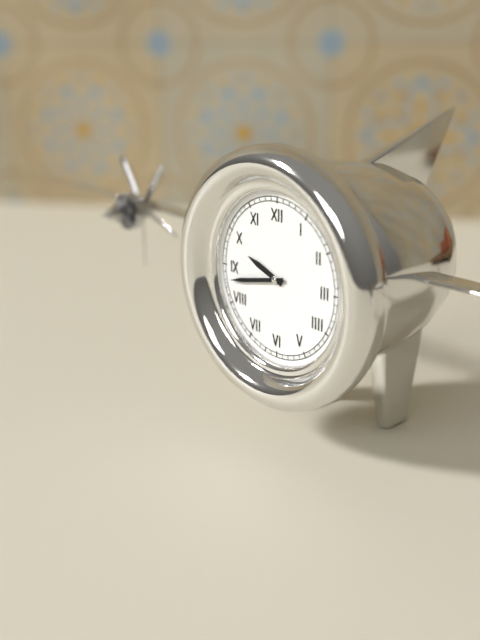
9:43
